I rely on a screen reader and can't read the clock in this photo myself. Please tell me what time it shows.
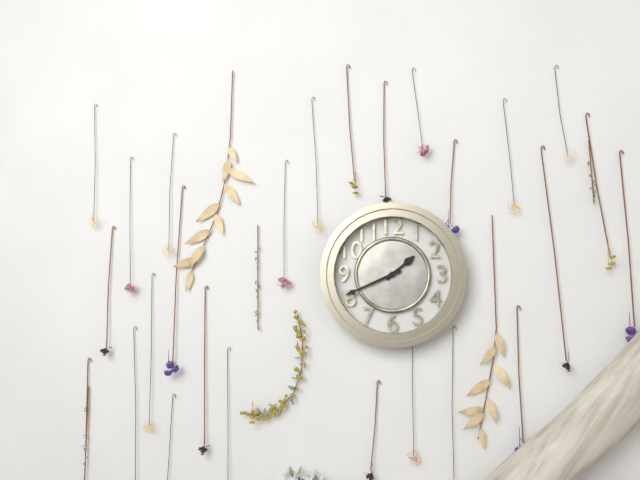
1:41
